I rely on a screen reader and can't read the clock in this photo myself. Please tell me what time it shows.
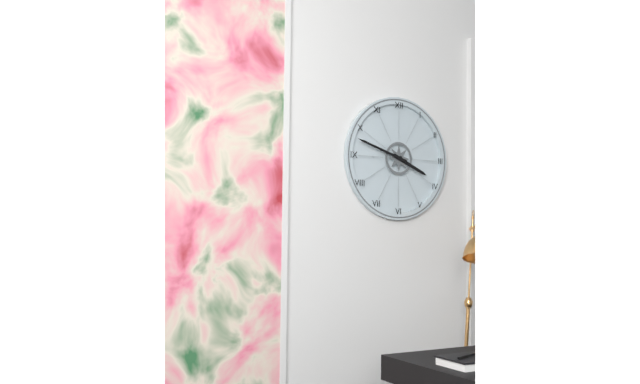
3:48
